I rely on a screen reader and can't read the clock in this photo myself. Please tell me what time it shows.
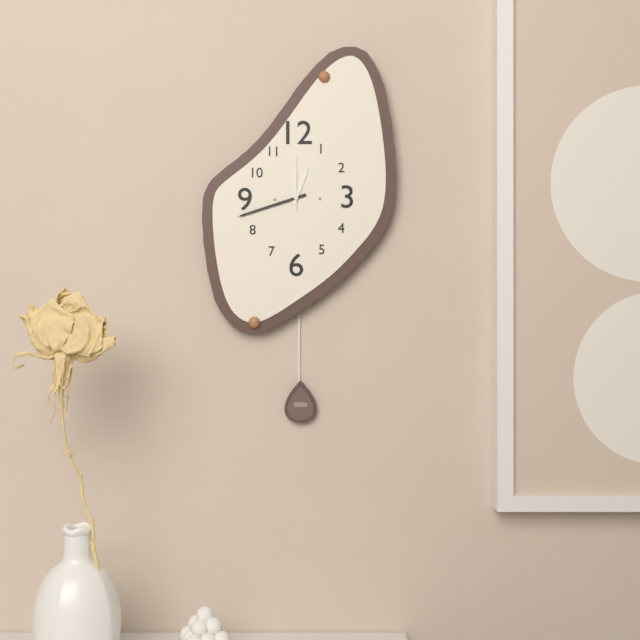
12:42:00
